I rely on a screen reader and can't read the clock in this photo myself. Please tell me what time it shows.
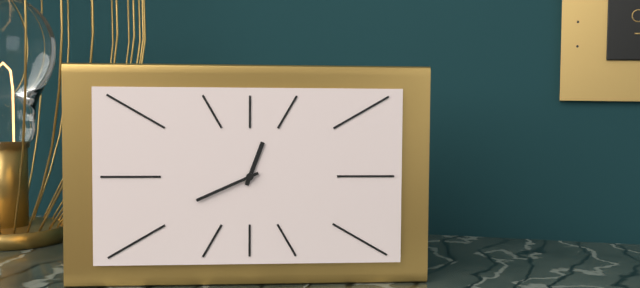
12:41
